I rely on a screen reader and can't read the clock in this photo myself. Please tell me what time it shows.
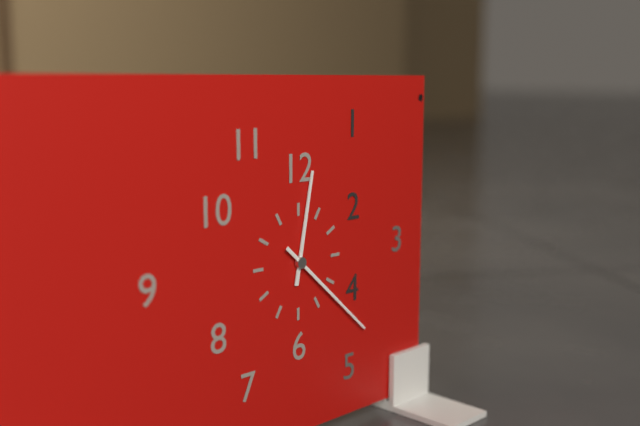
12:22
